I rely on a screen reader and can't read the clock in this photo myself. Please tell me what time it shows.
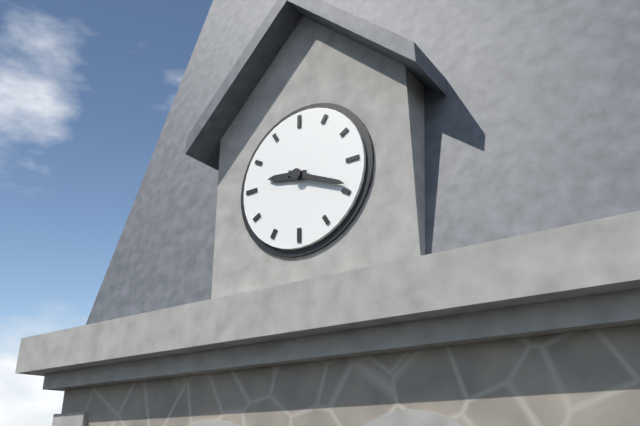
9:19
